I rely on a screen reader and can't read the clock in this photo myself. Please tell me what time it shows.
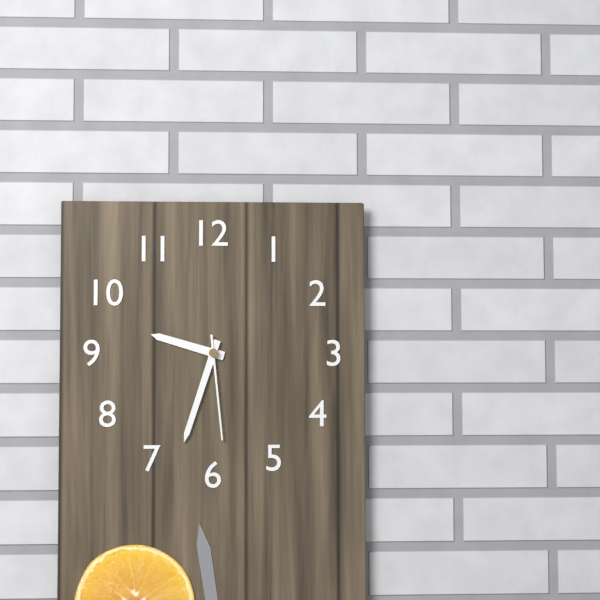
9:33:29
